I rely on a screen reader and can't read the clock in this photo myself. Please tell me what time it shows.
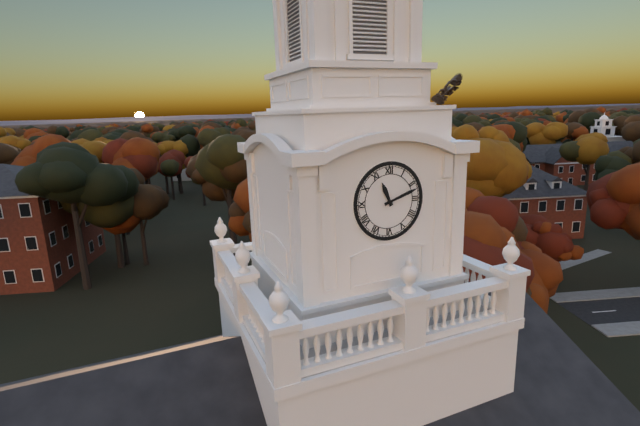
11:12
